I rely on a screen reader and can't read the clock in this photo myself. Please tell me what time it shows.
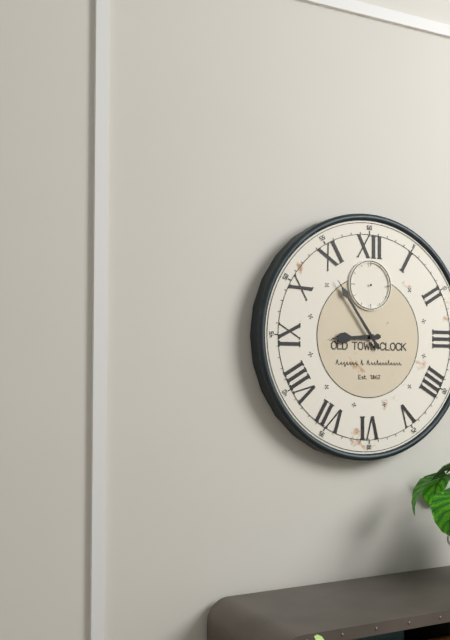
8:54
